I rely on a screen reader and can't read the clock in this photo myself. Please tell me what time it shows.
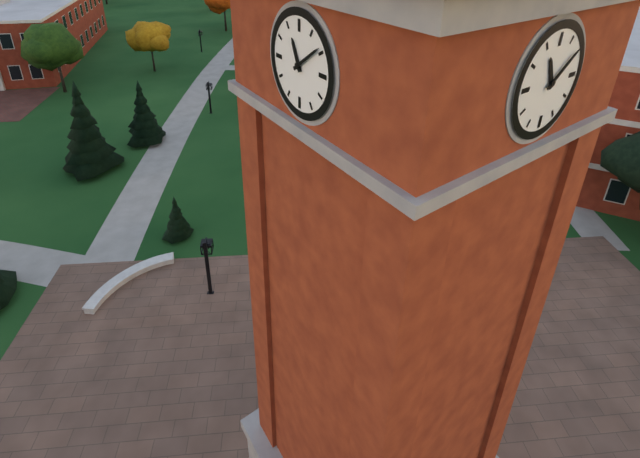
11:09
